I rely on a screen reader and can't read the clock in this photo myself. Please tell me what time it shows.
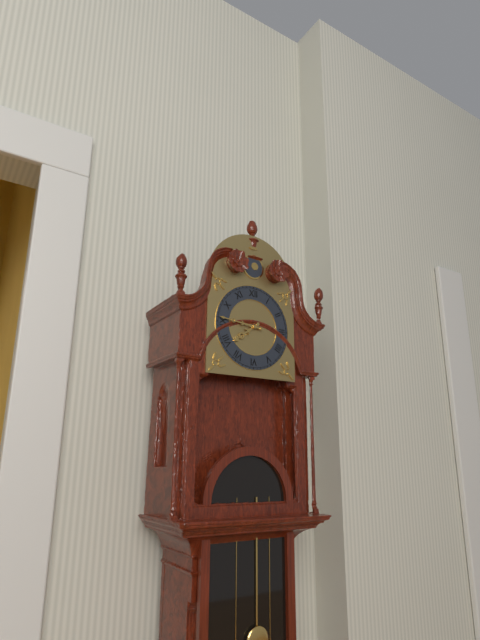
7:46
